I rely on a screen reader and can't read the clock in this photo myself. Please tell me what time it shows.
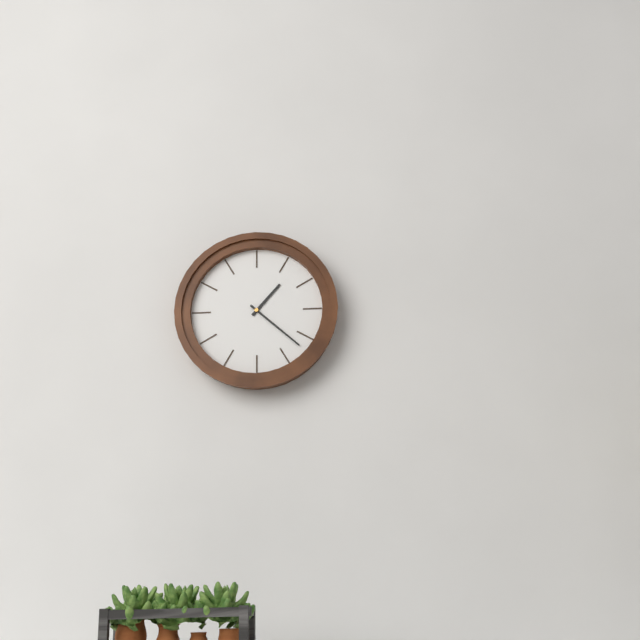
1:22
